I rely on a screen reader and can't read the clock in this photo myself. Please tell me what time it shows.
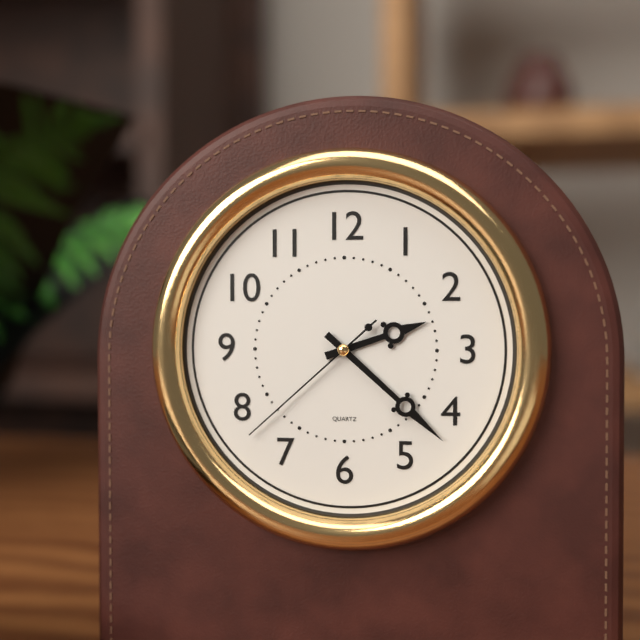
2:22:38
